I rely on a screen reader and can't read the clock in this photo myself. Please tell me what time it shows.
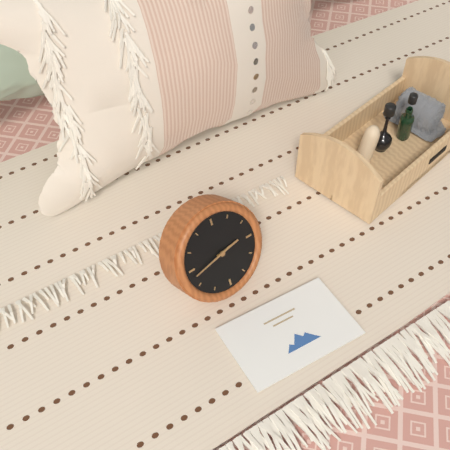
2:43
